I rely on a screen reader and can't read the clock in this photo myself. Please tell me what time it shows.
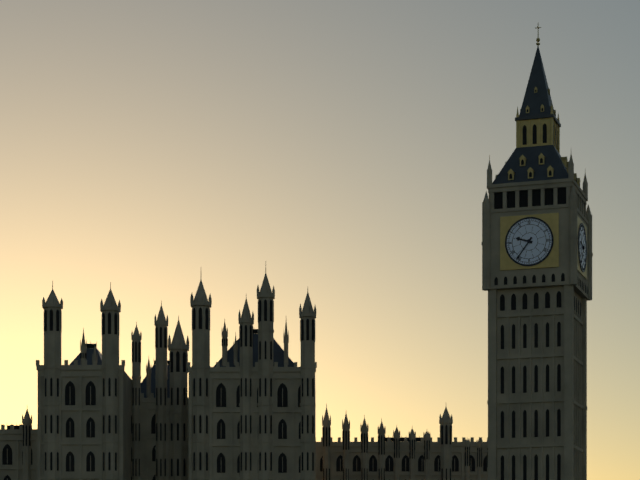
9:36
